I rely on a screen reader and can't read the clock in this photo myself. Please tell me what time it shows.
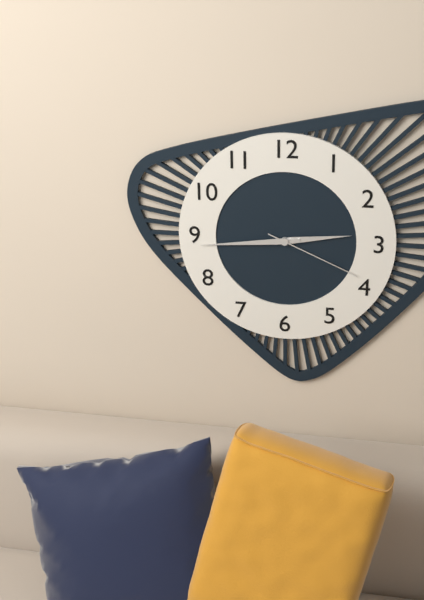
2:44:19
